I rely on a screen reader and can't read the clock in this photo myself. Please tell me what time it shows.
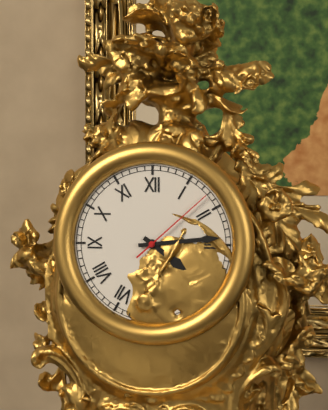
4:14:08
